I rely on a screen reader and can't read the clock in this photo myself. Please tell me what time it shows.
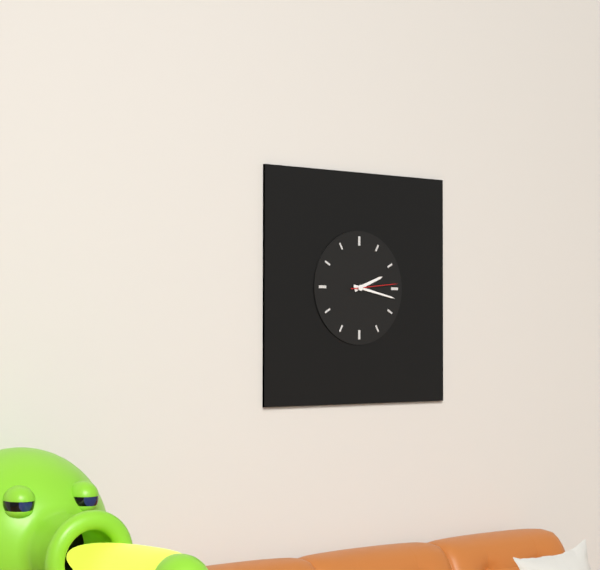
2:17
